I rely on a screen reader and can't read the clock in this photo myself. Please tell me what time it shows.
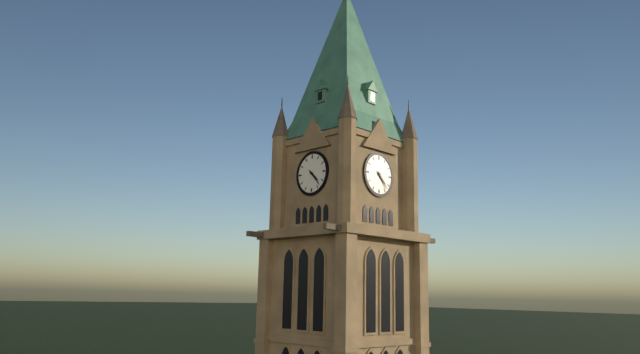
4:23
